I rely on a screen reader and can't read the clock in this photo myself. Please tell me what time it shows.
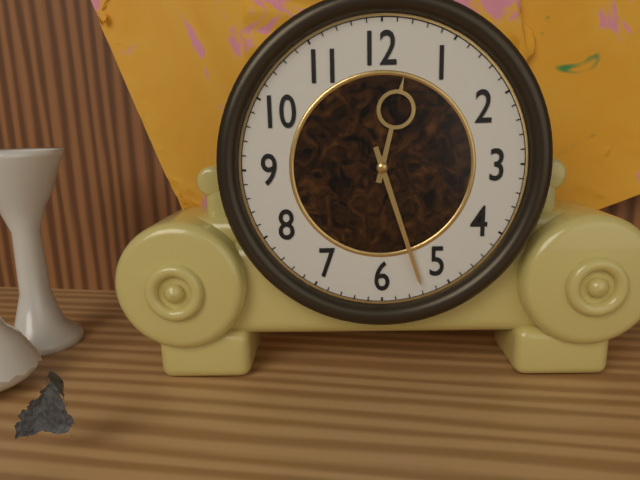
12:27
